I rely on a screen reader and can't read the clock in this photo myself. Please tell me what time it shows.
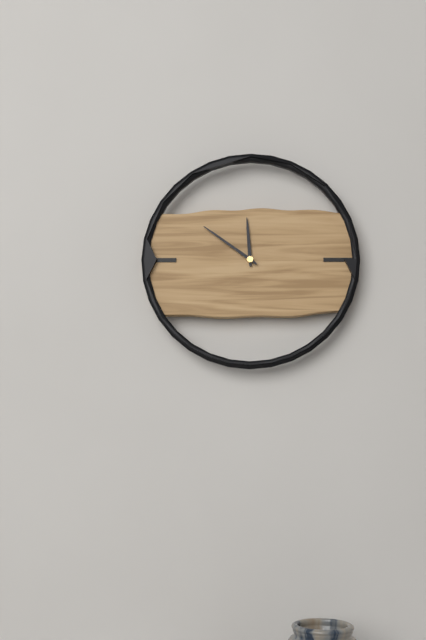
11:51
